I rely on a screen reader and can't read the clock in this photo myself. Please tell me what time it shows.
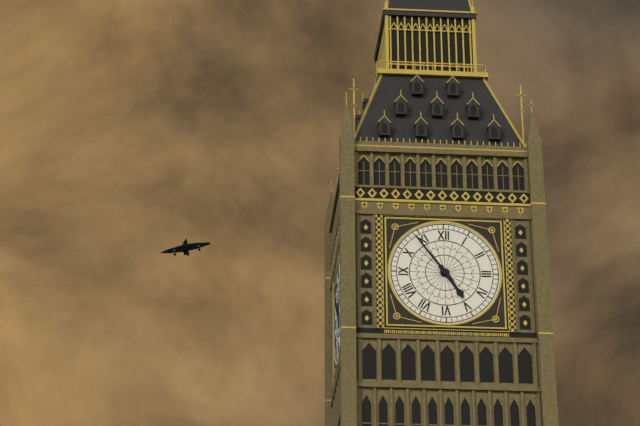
4:54
